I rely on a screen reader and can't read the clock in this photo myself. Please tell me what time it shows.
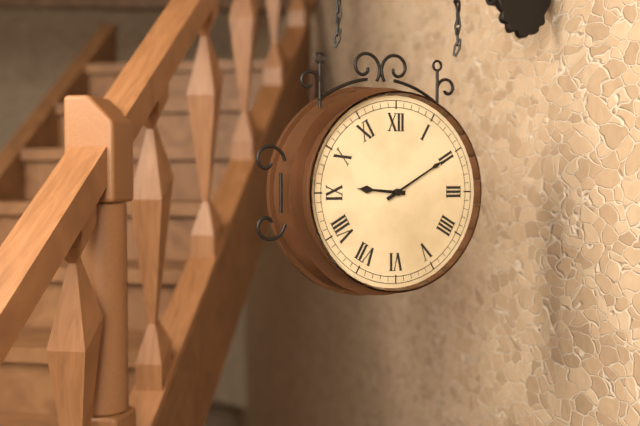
9:10
